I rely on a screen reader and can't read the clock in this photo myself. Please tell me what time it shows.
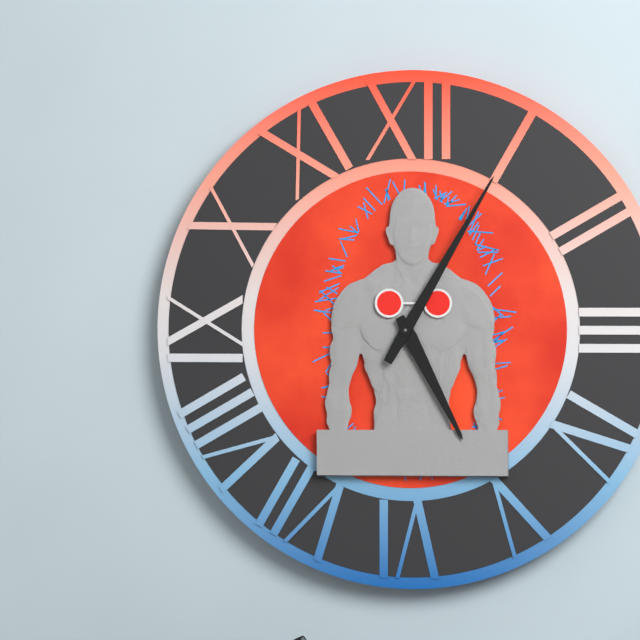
5:05
